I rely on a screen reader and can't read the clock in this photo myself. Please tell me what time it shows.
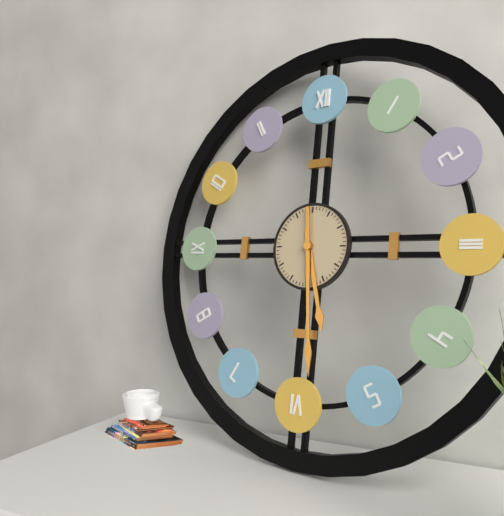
5:29
